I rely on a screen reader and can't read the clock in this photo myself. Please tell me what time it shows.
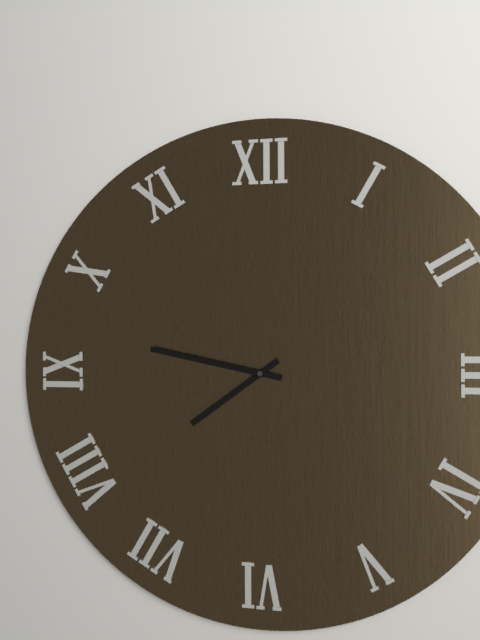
7:47
